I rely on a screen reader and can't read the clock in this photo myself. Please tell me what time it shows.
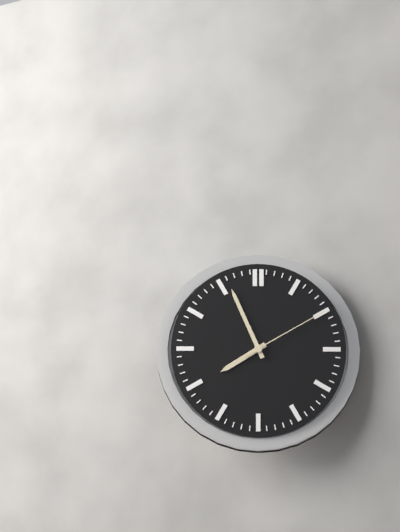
7:56:10
